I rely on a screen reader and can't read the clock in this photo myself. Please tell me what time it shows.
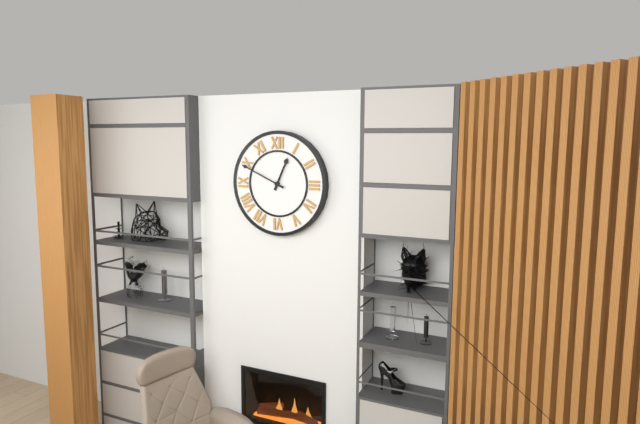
12:49
